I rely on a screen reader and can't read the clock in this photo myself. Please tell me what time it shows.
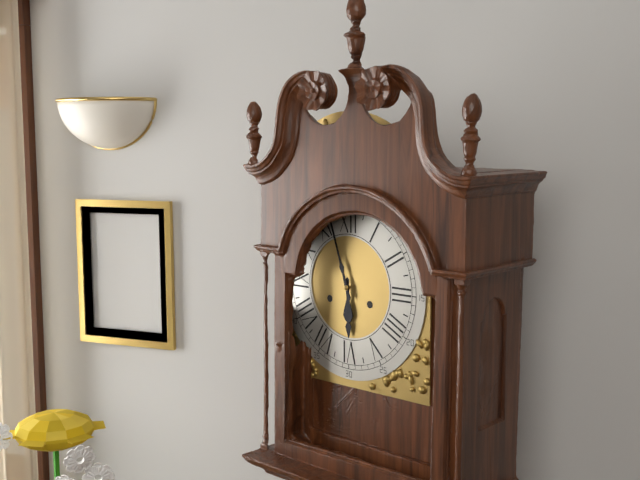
5:57
